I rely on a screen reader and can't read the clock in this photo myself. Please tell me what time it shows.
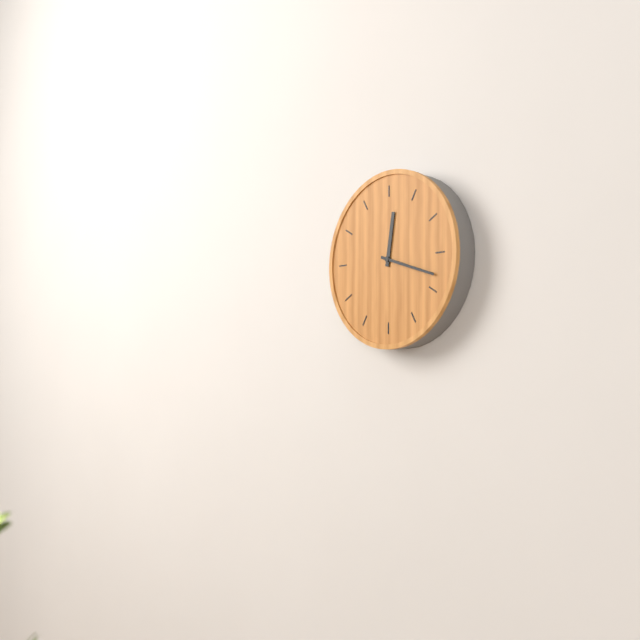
12:18
